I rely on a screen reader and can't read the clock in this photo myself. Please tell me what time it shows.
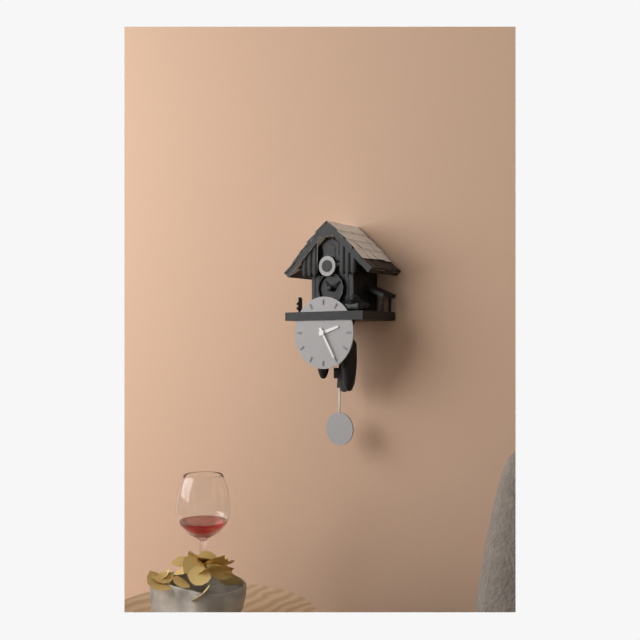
2:25
